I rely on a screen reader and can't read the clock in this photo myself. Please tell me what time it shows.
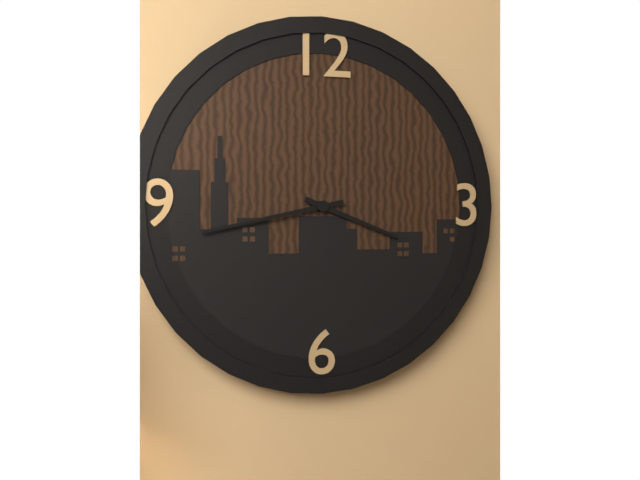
3:43
